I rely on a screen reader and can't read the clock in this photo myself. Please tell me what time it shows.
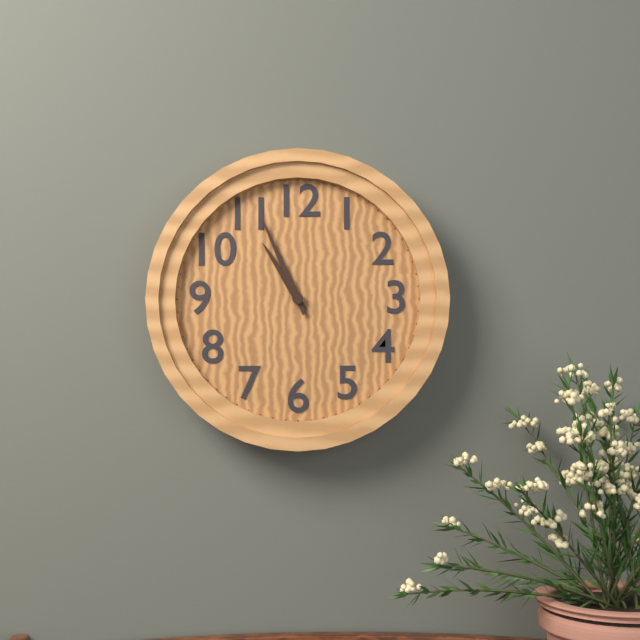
10:56
